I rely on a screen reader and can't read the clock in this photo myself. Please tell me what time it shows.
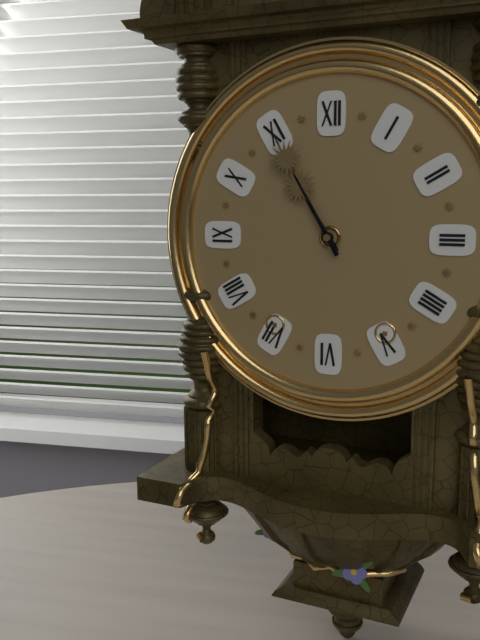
10:55
